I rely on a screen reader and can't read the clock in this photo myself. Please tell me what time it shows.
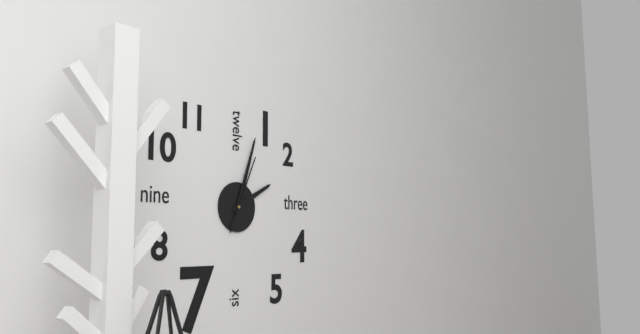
2:03:04
